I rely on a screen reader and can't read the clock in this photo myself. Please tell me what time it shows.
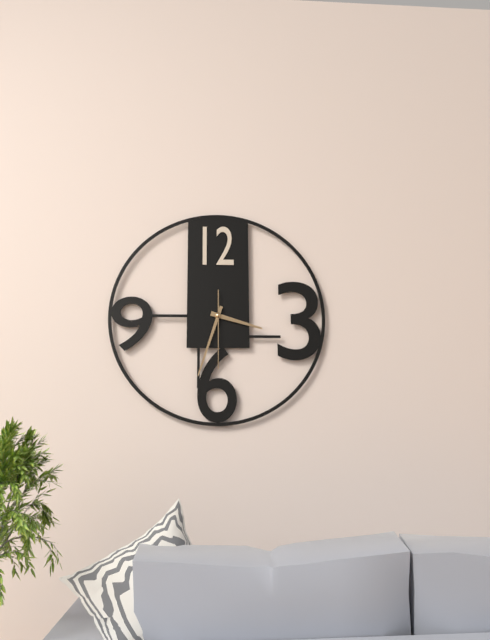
3:33:30
